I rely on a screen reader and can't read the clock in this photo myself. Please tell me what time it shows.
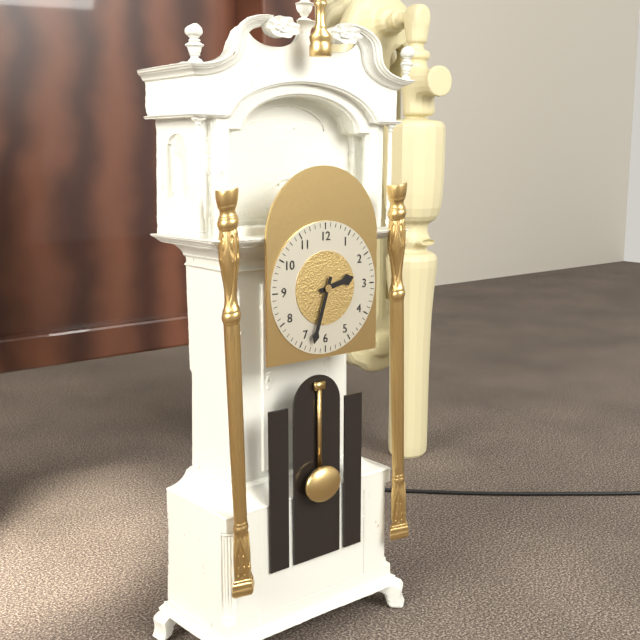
2:33
